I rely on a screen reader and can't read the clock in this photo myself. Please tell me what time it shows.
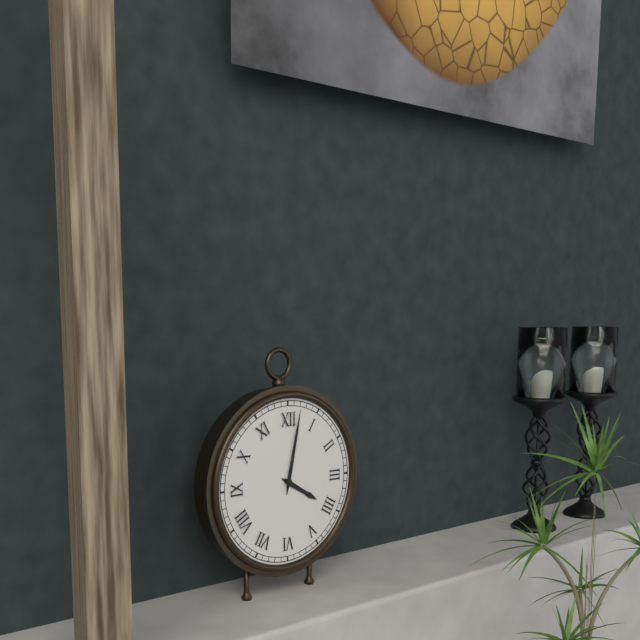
4:02
